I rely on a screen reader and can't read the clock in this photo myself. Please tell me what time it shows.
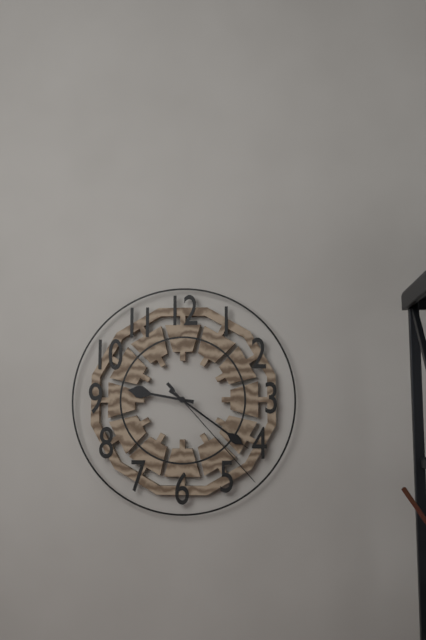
9:21:23
